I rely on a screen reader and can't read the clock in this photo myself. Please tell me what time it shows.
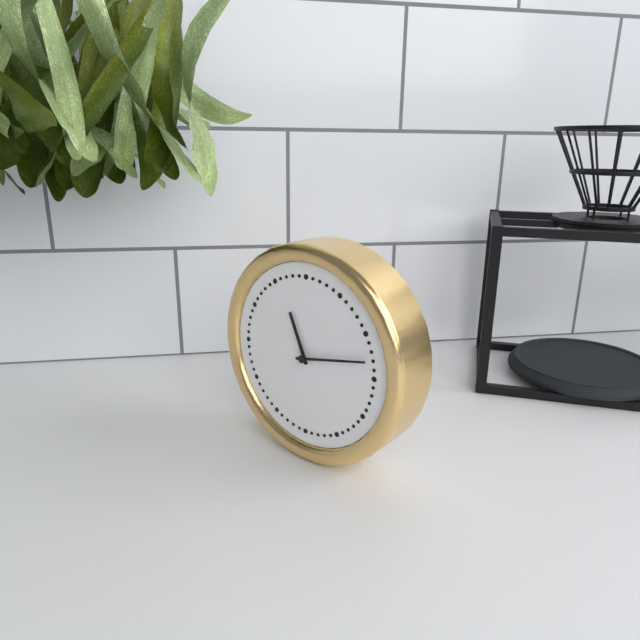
11:13
